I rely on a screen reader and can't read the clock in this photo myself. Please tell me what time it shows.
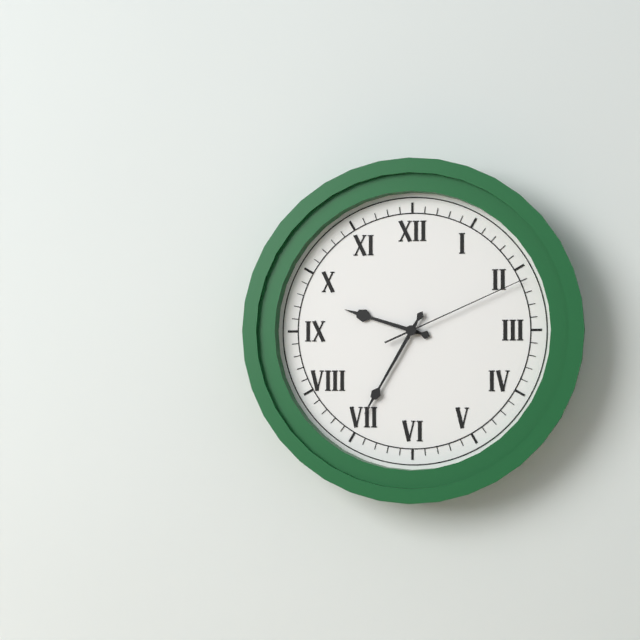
9:35:11
